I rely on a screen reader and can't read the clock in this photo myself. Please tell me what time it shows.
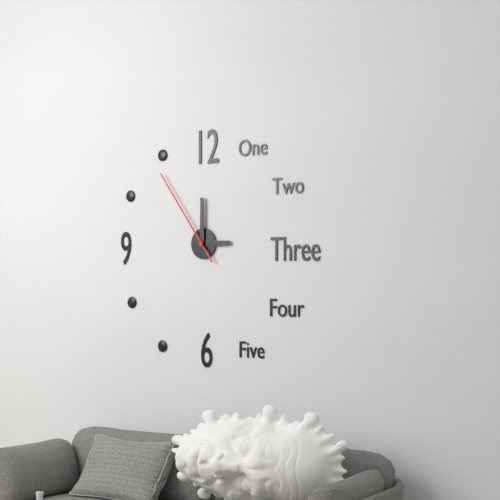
3:00:54
